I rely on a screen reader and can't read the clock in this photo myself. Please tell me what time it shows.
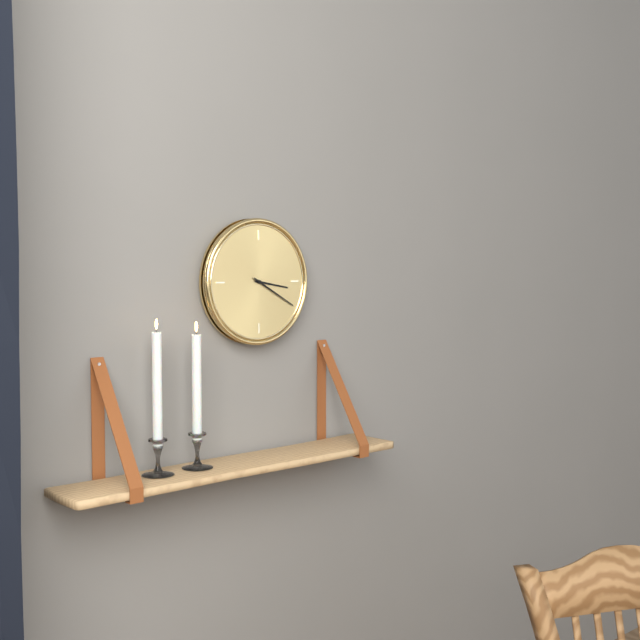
3:20
